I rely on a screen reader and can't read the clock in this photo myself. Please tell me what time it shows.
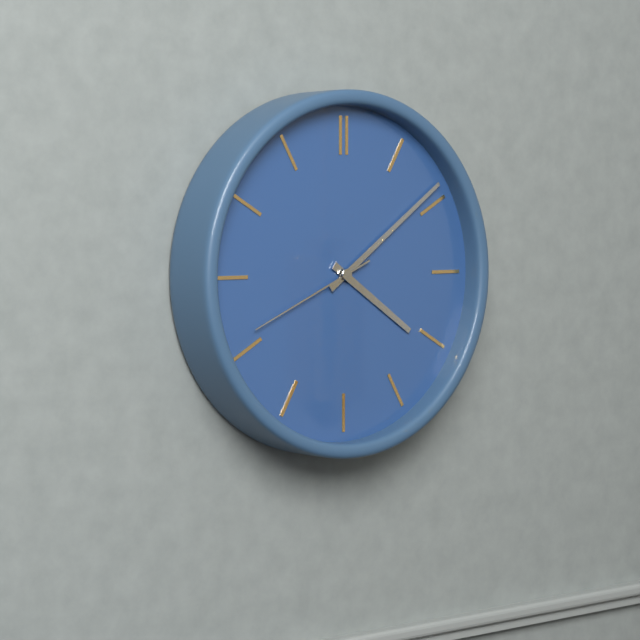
4:09:41
